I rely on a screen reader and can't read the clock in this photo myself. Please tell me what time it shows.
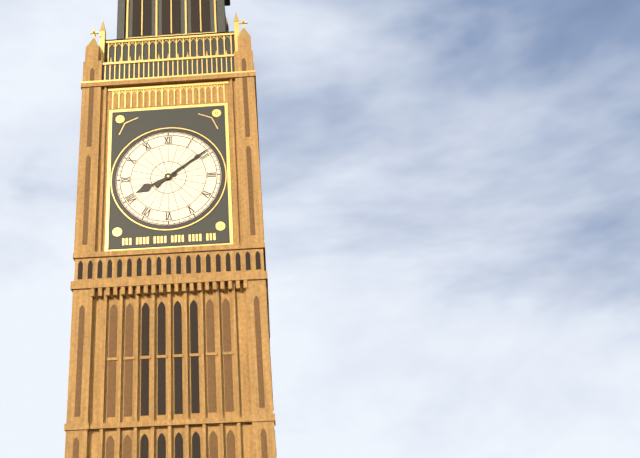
8:09
